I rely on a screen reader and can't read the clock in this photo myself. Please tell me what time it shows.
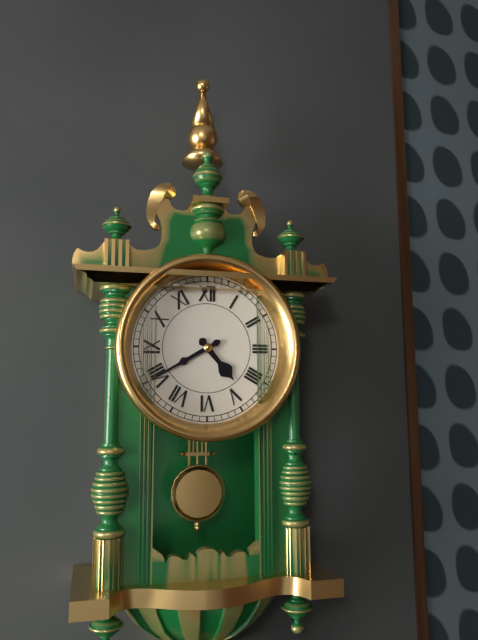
4:40
